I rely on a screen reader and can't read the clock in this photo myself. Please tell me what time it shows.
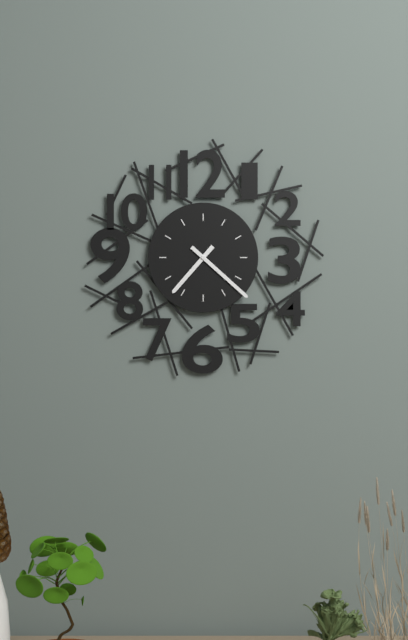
7:22
